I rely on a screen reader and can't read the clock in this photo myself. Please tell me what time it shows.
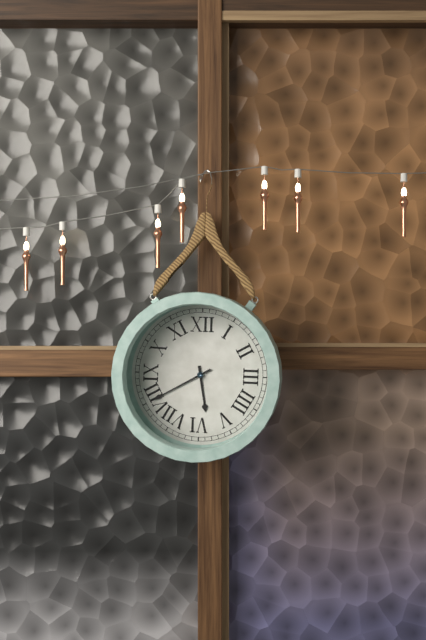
5:40
